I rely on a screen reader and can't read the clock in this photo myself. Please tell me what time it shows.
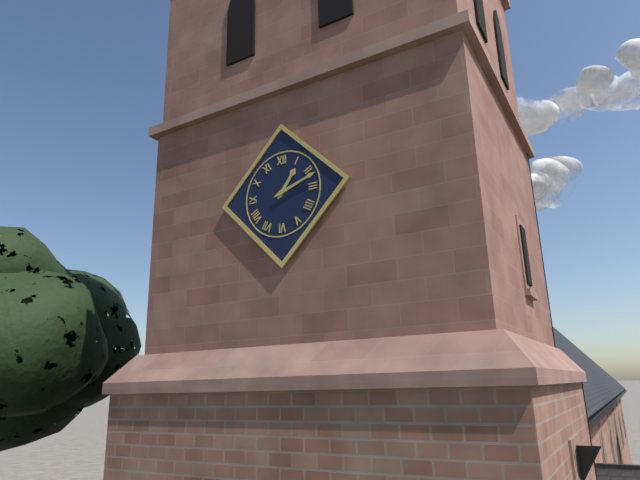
1:12
